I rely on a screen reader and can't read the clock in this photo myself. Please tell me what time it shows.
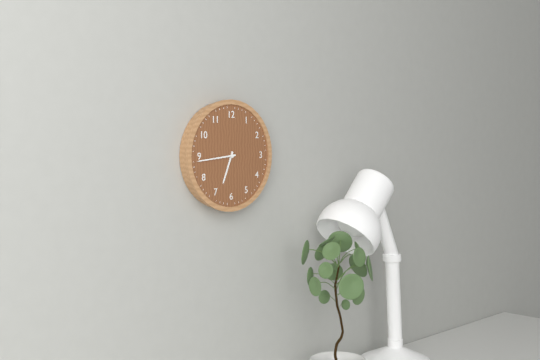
6:44
